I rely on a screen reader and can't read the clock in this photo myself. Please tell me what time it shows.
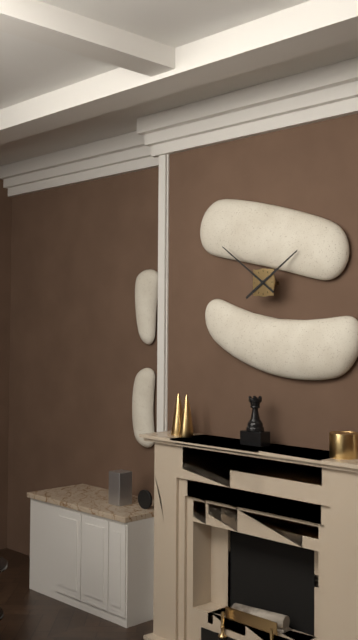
1:51
